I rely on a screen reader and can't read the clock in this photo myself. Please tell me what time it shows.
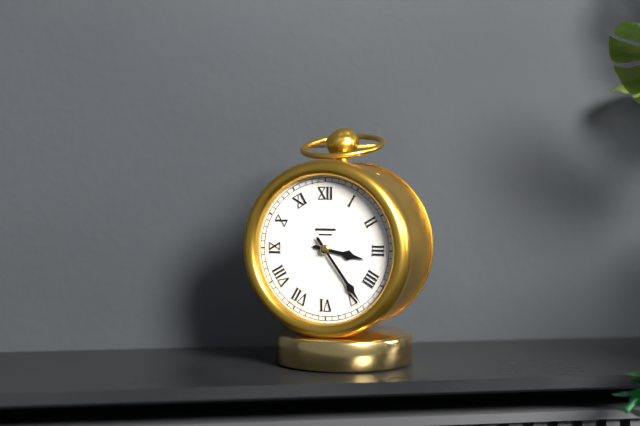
3:24
